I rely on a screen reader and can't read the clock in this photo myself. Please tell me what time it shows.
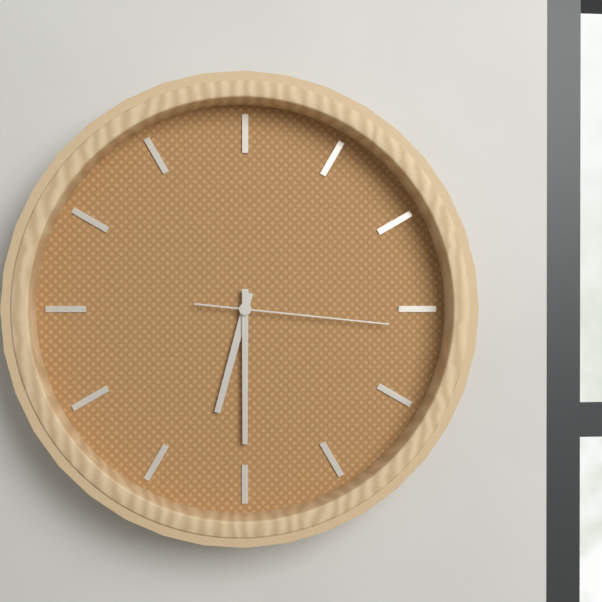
6:30:16
